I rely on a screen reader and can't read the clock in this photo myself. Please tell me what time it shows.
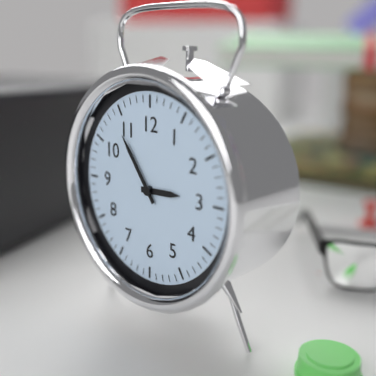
2:54
